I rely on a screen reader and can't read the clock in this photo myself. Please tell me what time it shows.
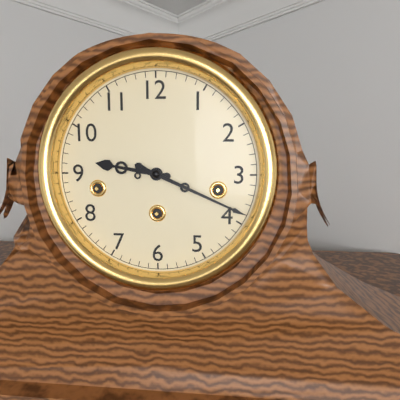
9:19
